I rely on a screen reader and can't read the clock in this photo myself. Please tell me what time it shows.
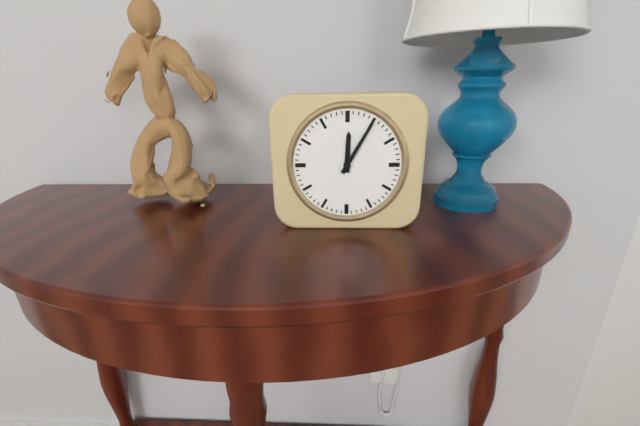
12:05
